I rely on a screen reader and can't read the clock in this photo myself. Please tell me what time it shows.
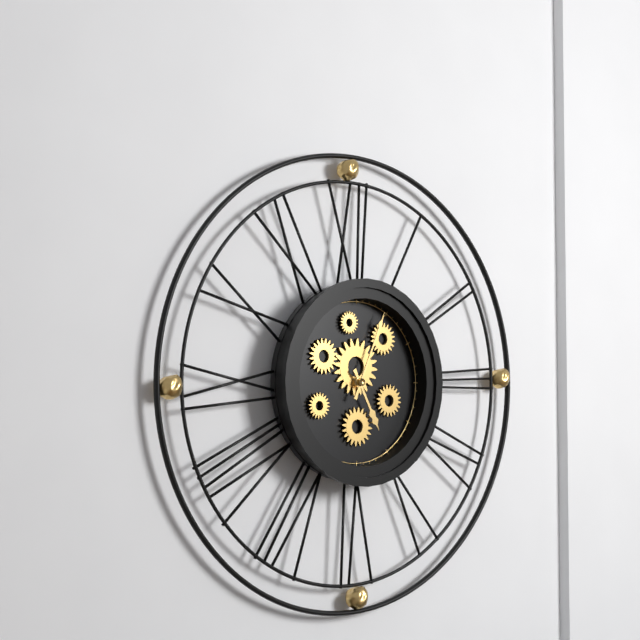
5:04
